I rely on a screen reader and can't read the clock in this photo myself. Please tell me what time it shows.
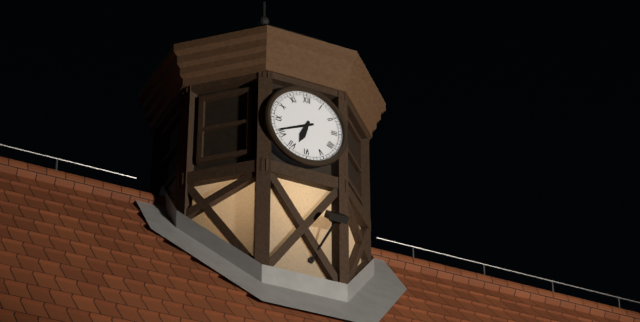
6:41
